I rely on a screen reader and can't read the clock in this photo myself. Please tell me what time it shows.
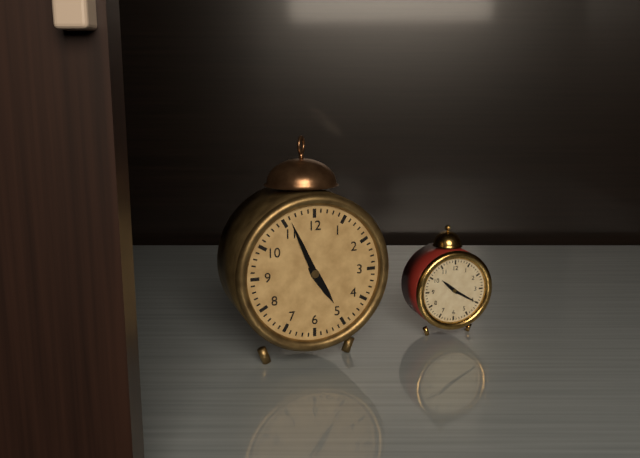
4:56
